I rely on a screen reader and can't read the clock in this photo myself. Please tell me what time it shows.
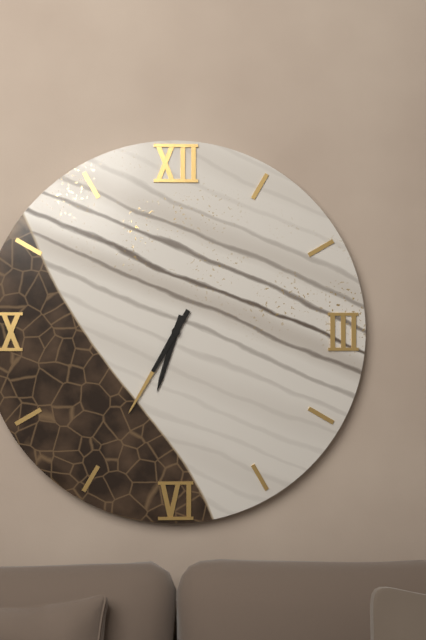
6:35
